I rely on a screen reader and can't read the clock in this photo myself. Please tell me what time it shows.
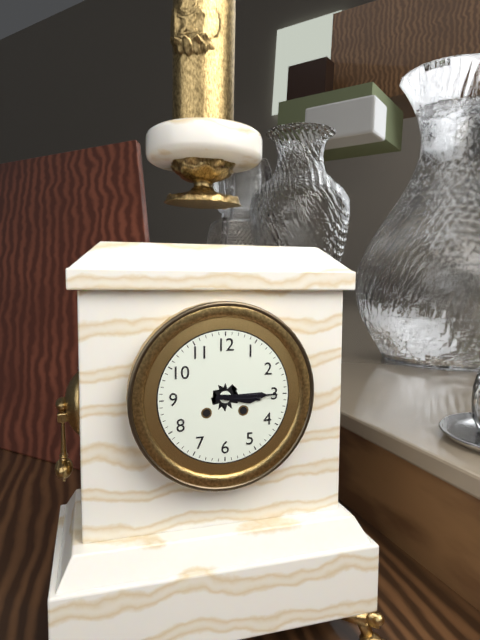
3:15
